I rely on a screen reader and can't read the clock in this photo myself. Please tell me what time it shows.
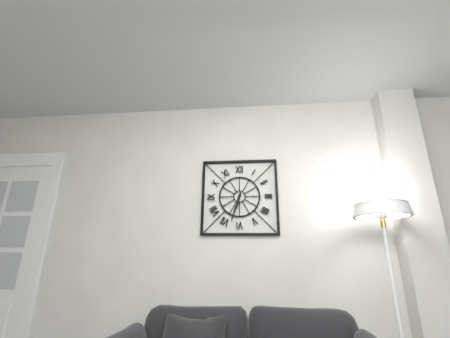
6:33
